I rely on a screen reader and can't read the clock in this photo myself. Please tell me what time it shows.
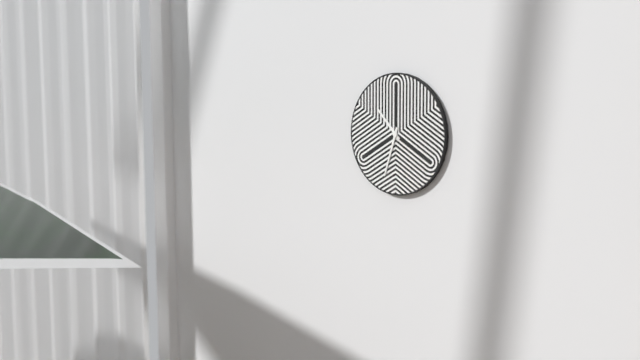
10:33
